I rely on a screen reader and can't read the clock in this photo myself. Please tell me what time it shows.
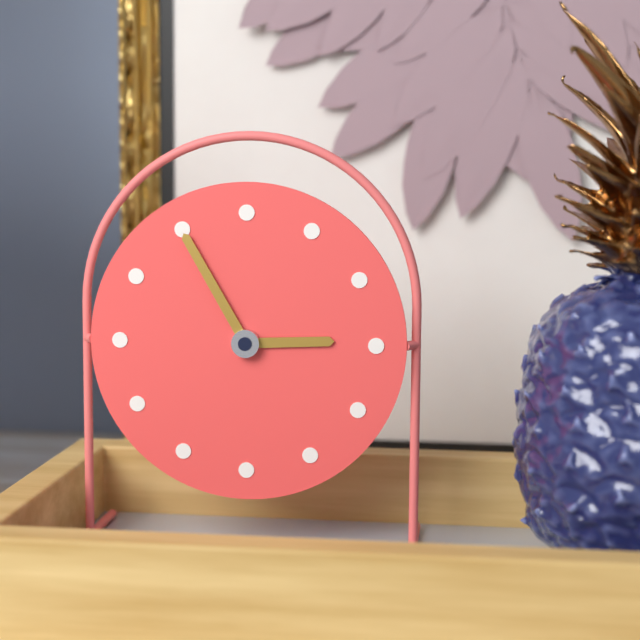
2:55
